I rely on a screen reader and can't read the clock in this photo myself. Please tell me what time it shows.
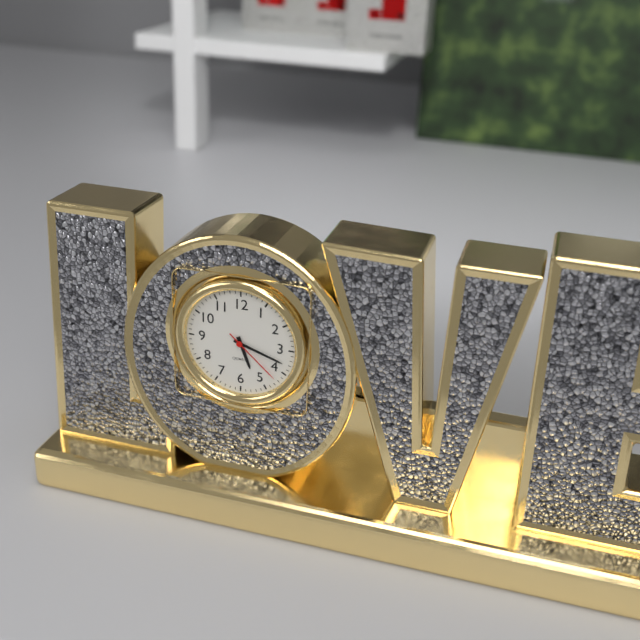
5:18:22
